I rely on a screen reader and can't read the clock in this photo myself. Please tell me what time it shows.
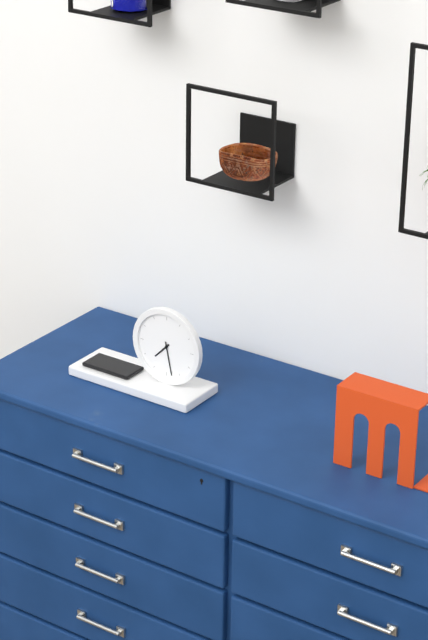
7:28
